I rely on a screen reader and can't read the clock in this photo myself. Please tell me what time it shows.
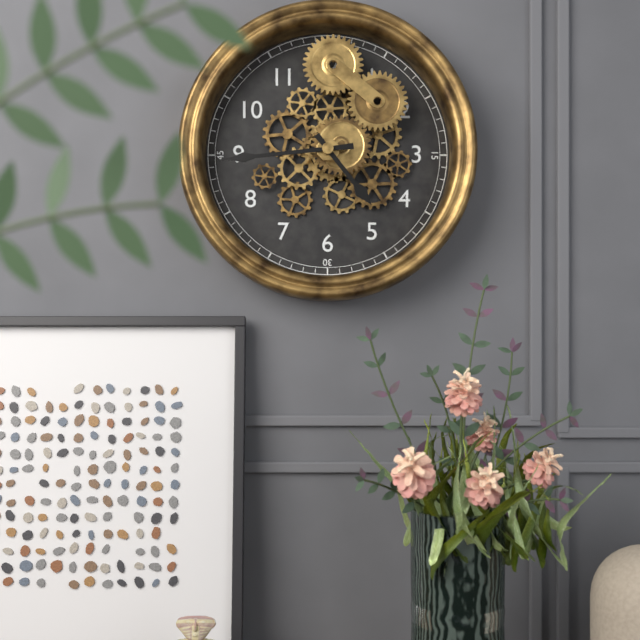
4:44
